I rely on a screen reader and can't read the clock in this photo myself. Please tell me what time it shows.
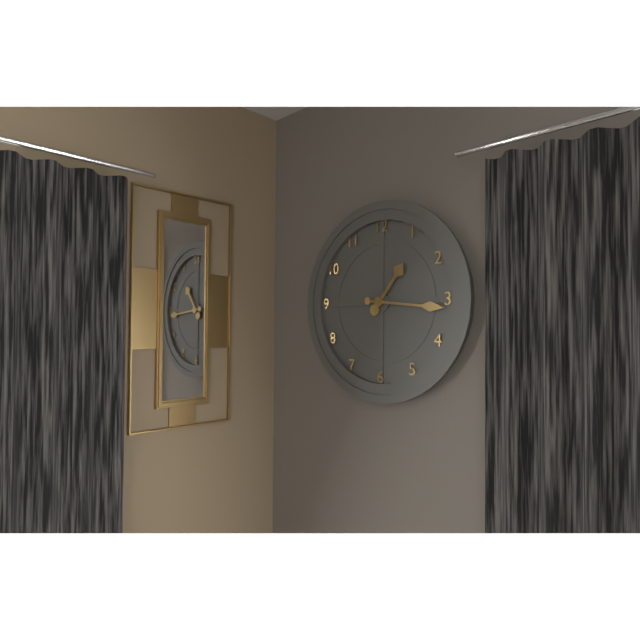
1:16
